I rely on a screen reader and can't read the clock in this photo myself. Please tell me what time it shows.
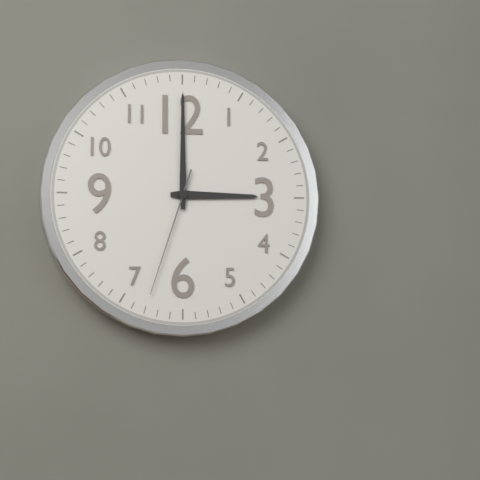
3:00:33
